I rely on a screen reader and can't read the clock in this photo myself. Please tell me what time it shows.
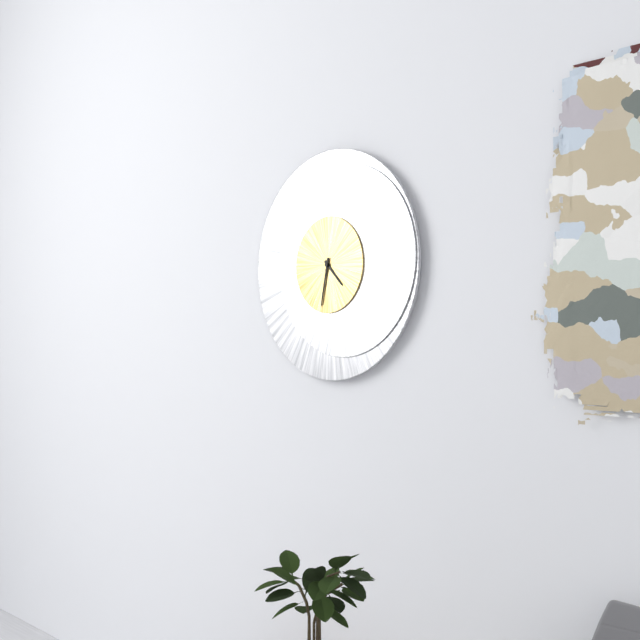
4:32
